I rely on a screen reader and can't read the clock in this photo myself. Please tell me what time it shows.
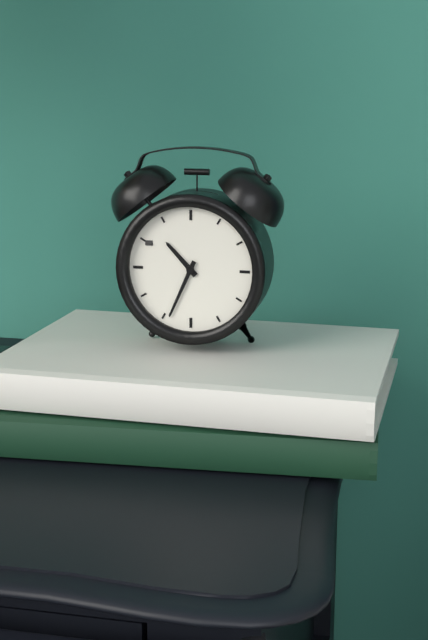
10:34
